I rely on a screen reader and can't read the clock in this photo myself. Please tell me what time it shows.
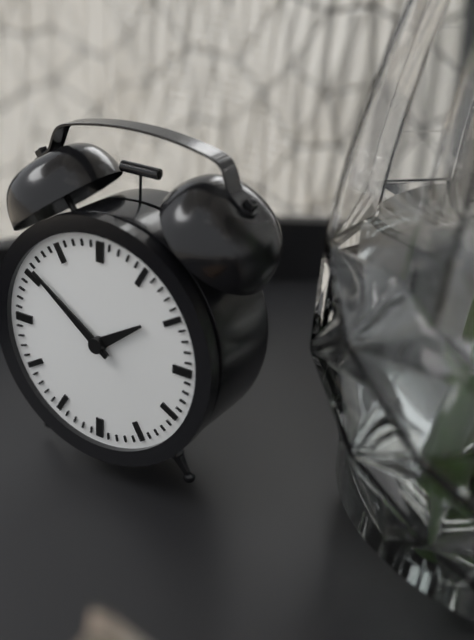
1:51
